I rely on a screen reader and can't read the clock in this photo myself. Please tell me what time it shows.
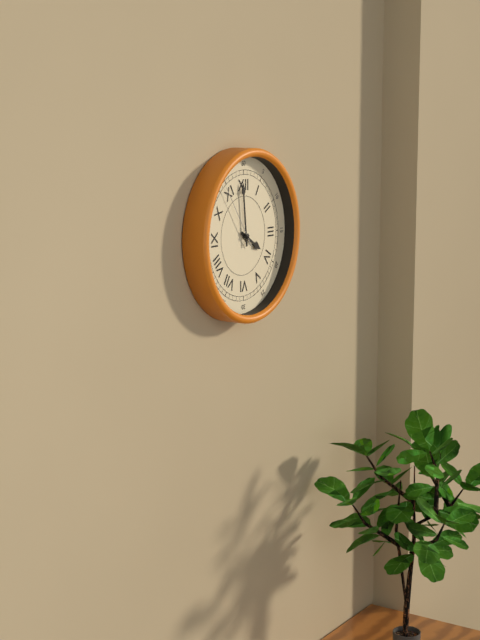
3:59:54
